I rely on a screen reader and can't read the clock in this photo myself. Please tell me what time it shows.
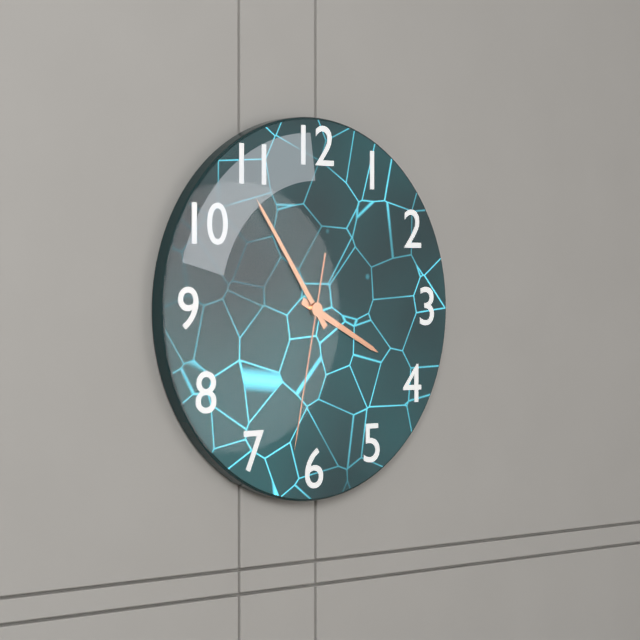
3:54:32
